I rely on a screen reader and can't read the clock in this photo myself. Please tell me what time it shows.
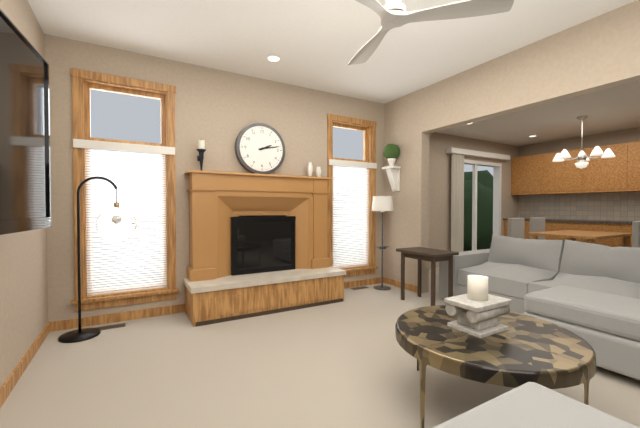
2:13
